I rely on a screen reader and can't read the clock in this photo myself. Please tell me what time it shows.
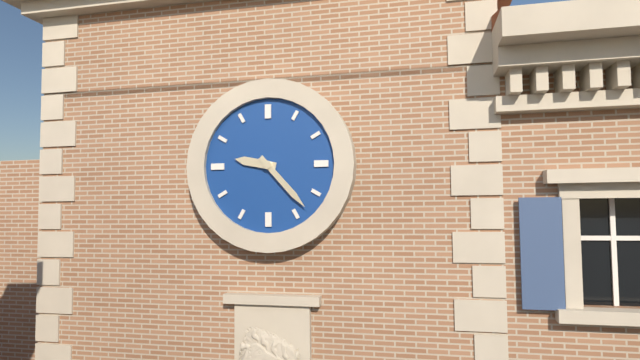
9:23
